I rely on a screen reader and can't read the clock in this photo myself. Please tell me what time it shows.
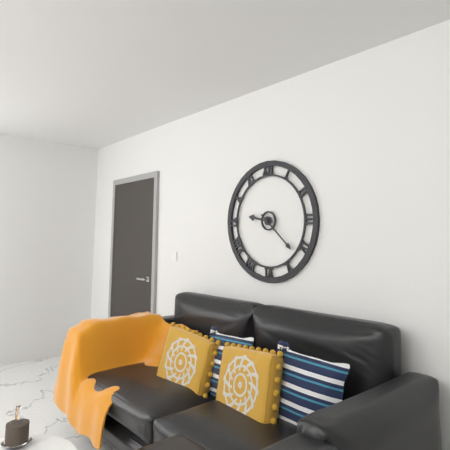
9:22
